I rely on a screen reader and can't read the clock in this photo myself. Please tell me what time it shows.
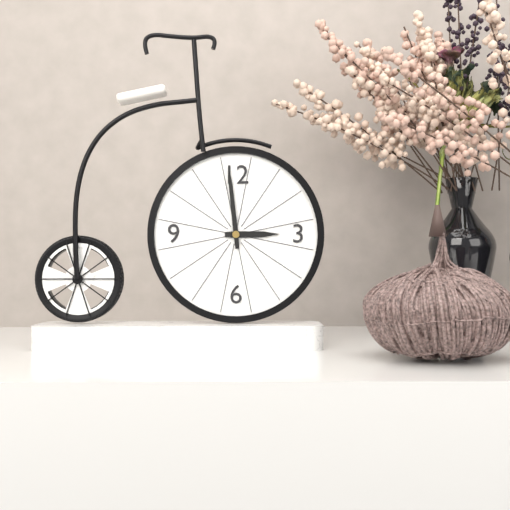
2:59
